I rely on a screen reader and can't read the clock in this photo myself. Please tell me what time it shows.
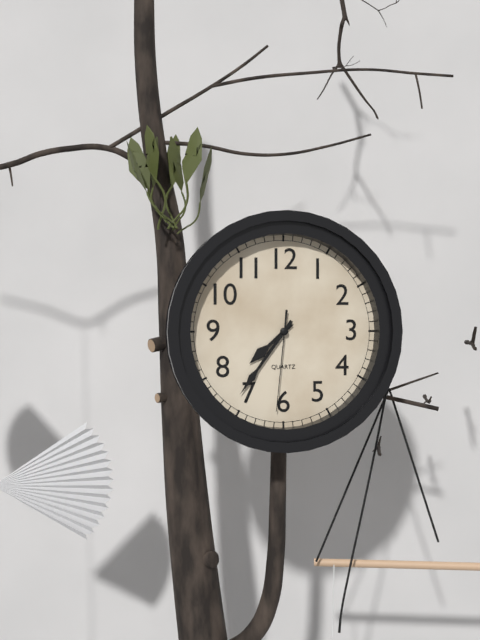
7:36:31
